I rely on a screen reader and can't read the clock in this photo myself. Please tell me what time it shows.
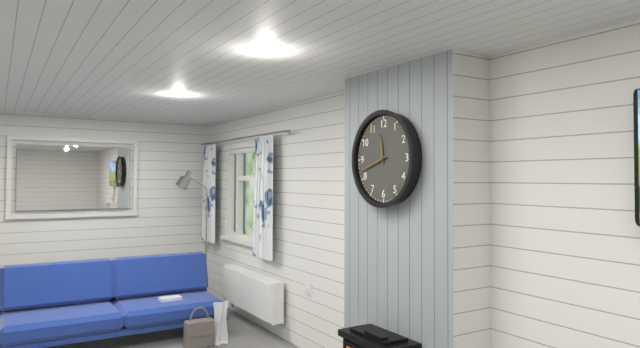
11:42
